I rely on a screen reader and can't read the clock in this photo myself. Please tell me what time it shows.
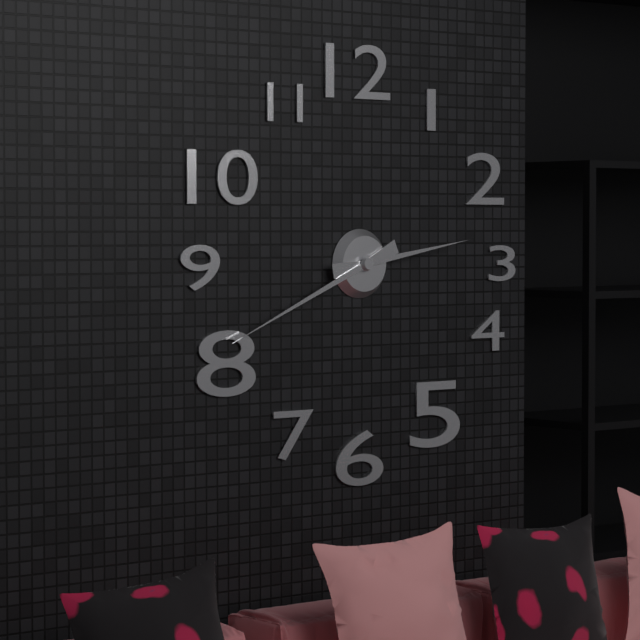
2:41
